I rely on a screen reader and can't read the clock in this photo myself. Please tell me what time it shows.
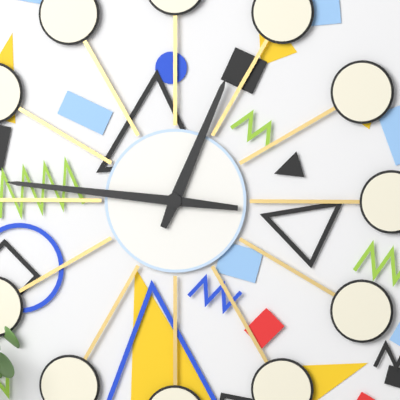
12:46
